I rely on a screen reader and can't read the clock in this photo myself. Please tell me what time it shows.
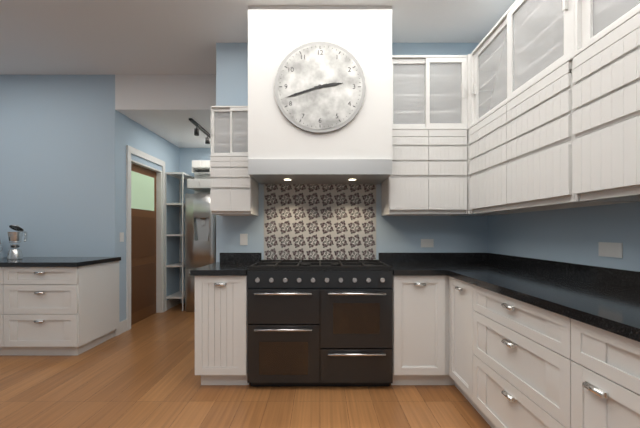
2:42
